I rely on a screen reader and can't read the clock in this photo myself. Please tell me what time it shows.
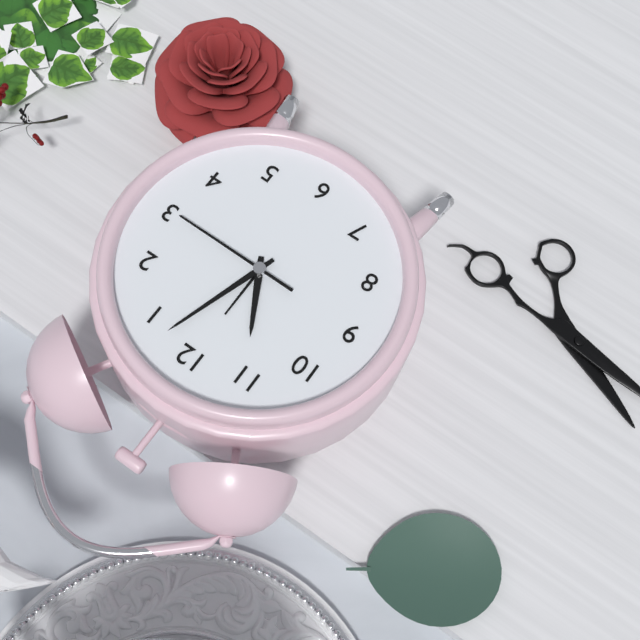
11:03:15
